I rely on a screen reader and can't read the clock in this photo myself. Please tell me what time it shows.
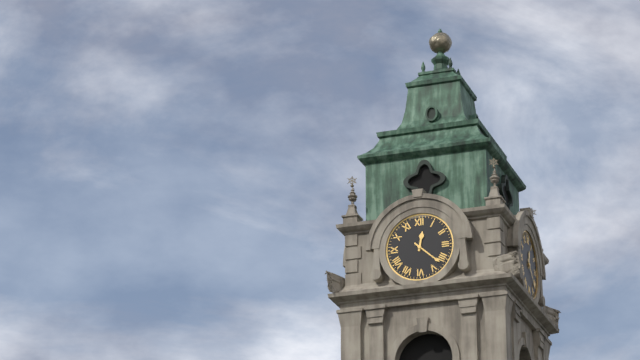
12:22
